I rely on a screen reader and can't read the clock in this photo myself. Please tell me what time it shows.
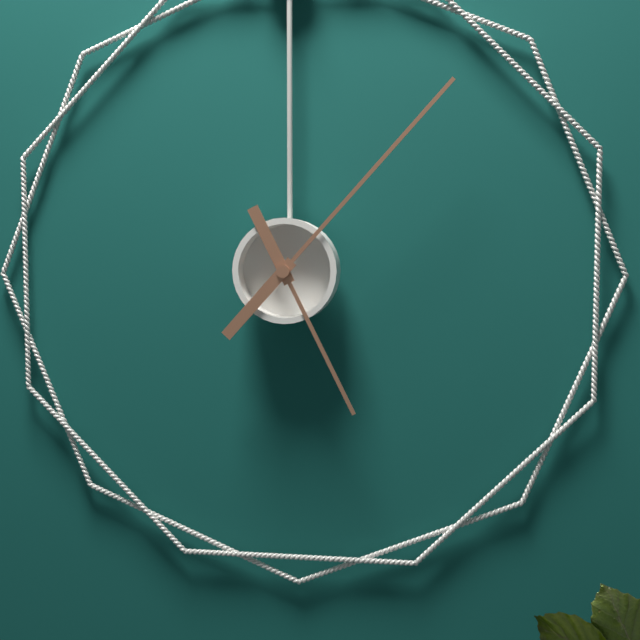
5:07
